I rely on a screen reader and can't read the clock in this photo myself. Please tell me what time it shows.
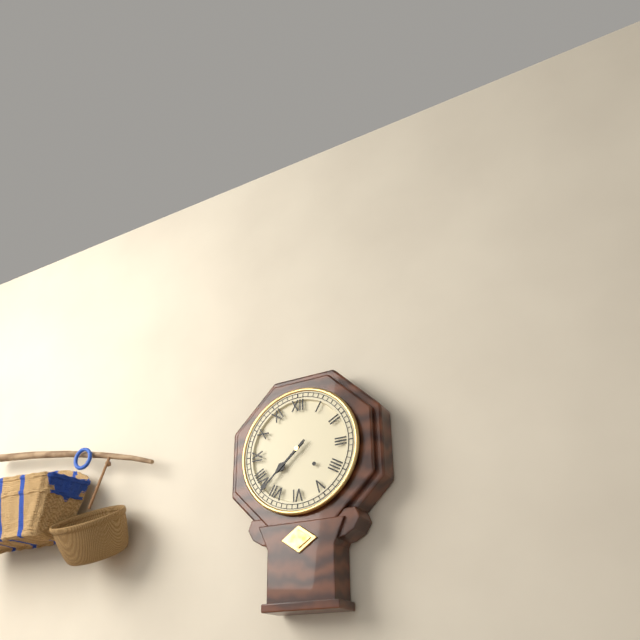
7:38
